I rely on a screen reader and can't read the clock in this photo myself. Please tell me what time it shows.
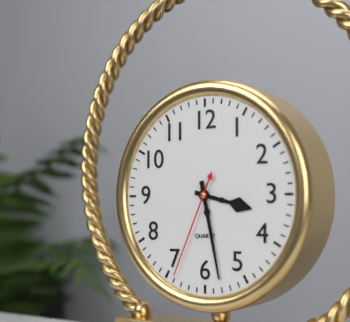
3:28:34
